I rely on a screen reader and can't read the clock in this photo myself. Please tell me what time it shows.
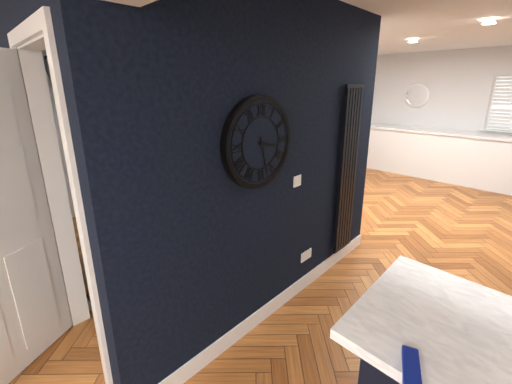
3:28
